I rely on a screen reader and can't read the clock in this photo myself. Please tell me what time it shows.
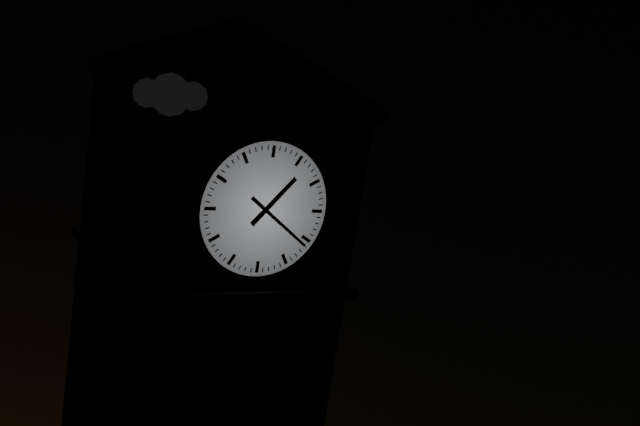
1:21
